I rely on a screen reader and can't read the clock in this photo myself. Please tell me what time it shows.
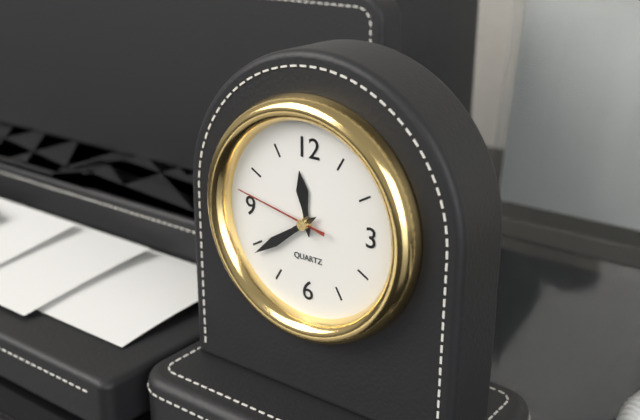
11:39:47
